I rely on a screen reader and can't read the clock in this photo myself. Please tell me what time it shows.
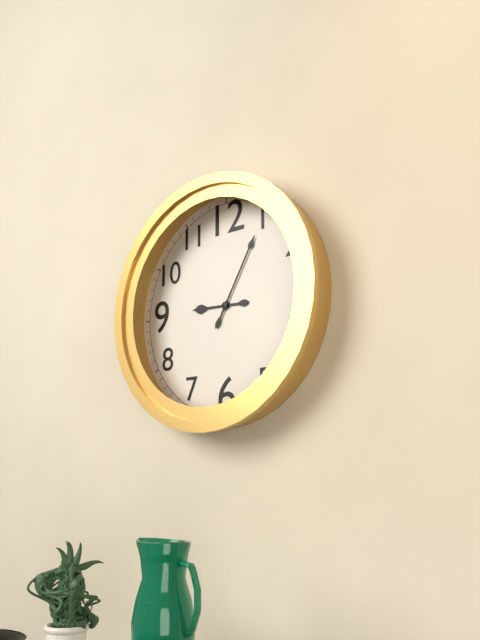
9:05
